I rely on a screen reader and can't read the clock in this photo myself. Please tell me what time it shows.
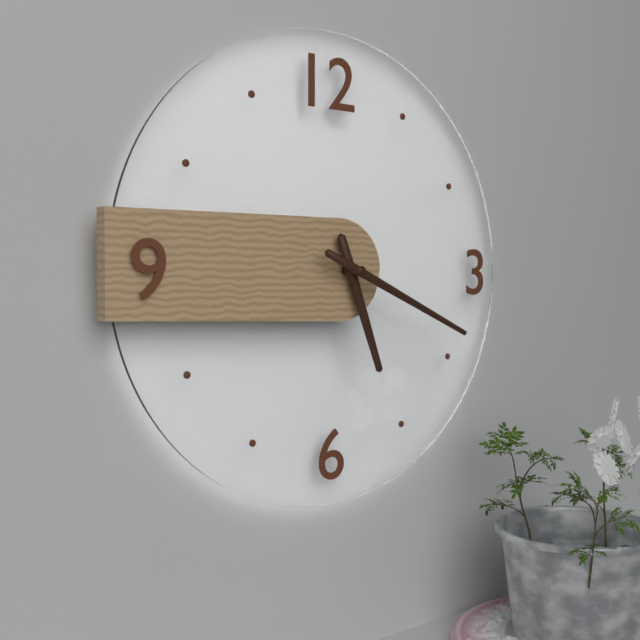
5:19
